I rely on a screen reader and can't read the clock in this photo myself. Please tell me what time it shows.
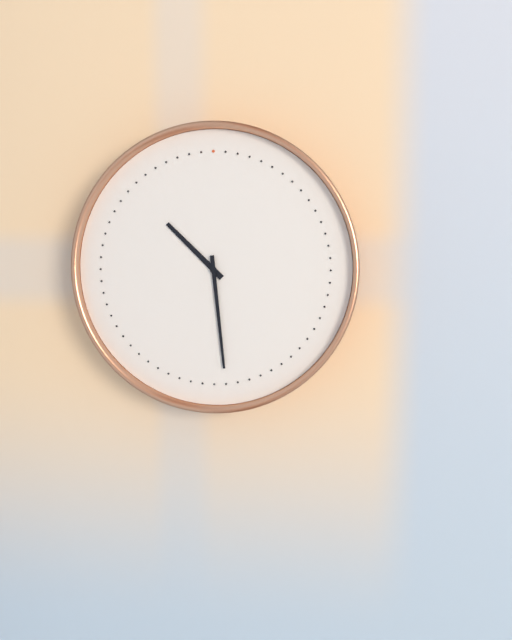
10:29
